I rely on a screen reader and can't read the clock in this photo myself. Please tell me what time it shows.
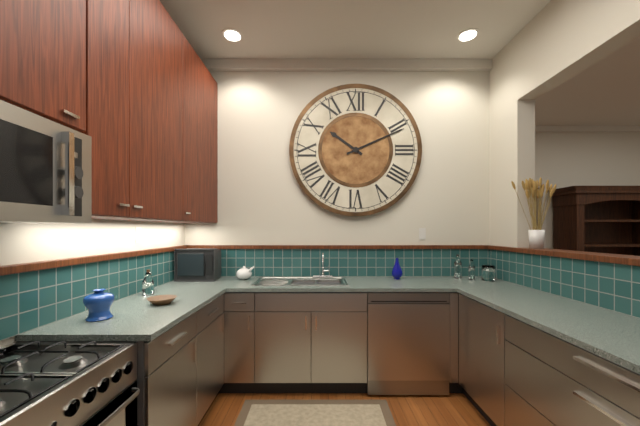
10:11
